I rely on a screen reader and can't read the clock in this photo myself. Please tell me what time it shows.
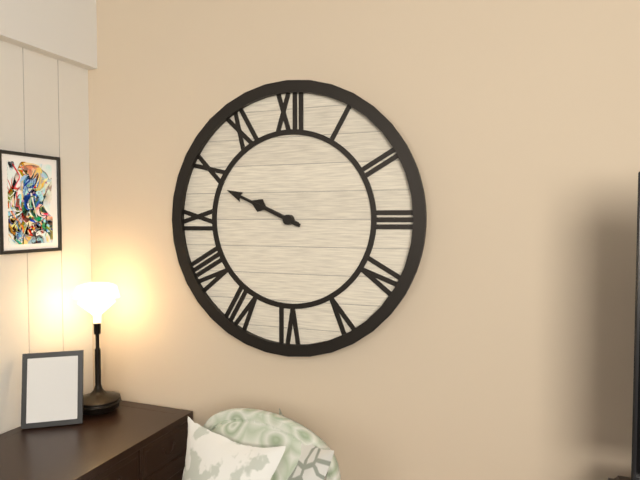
9:49
